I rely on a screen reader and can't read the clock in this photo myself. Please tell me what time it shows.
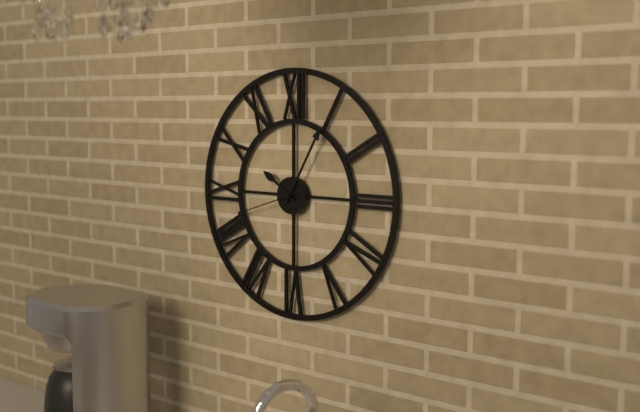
10:05:42
